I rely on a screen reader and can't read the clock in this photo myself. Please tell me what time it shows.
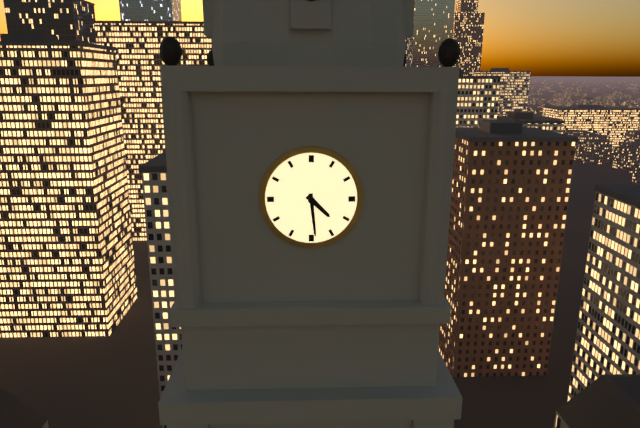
4:29
